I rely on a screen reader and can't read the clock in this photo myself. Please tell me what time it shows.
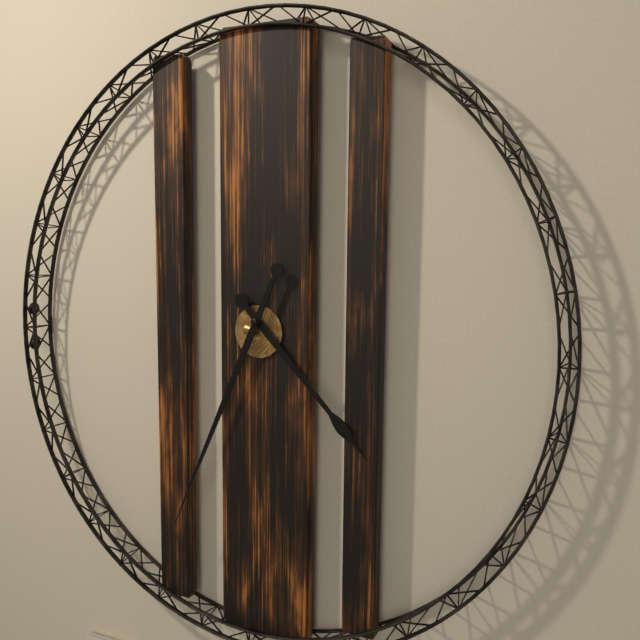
4:34
